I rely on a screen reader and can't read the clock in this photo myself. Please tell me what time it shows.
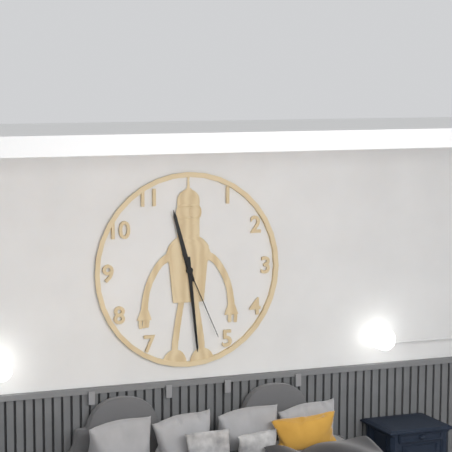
11:29:26
